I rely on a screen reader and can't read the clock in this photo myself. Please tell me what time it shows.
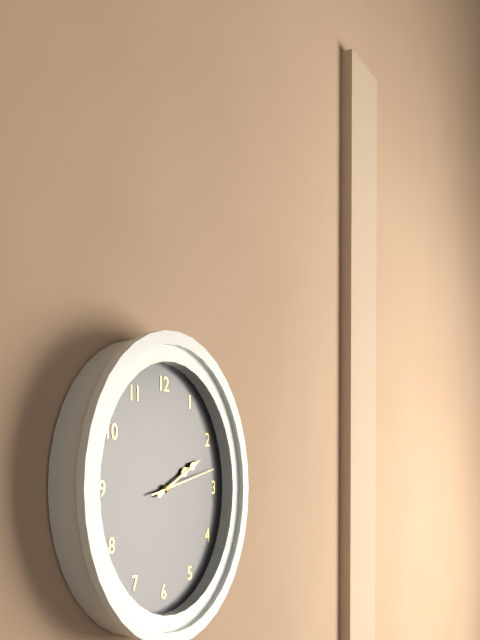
2:11:13
